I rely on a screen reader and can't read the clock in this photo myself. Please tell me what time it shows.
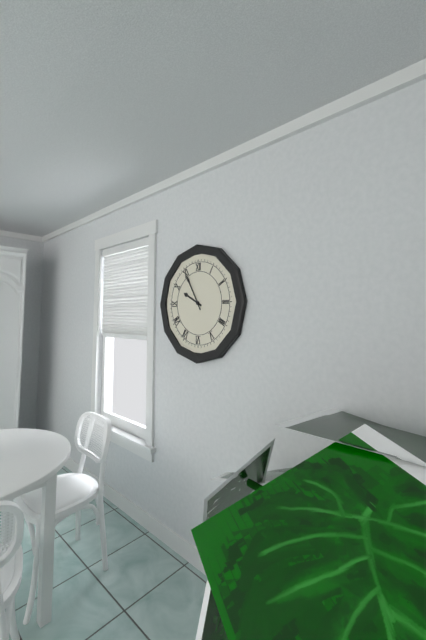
9:55
